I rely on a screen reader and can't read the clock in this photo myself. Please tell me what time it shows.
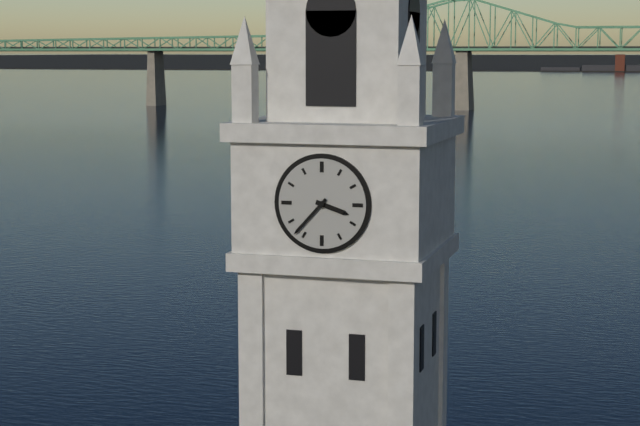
3:37
